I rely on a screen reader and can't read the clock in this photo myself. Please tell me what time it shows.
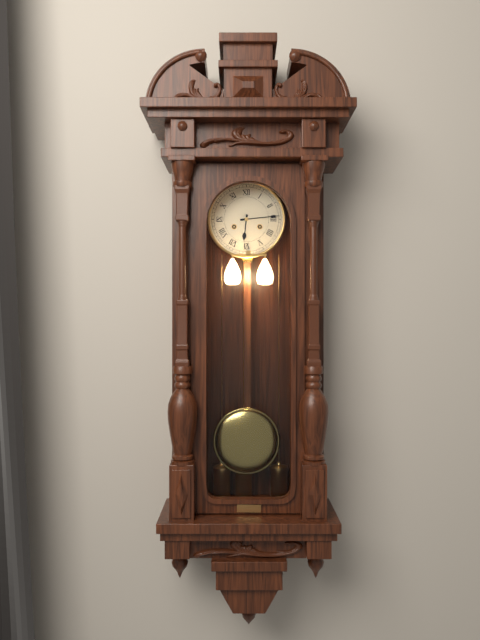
6:14
